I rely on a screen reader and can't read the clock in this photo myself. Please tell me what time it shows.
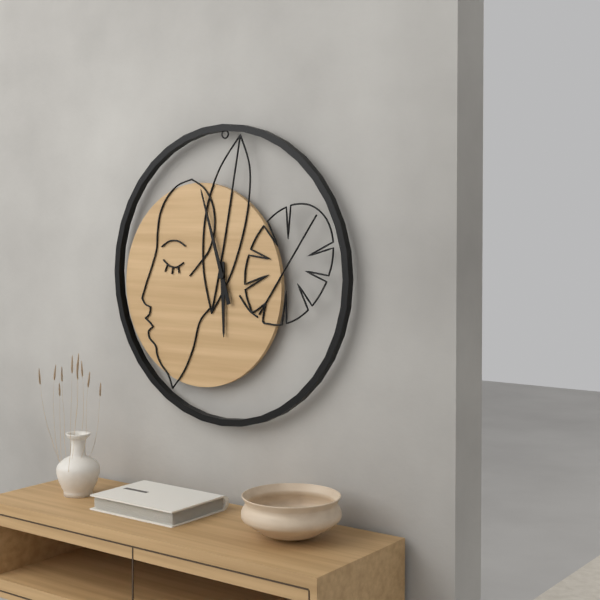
5:57
